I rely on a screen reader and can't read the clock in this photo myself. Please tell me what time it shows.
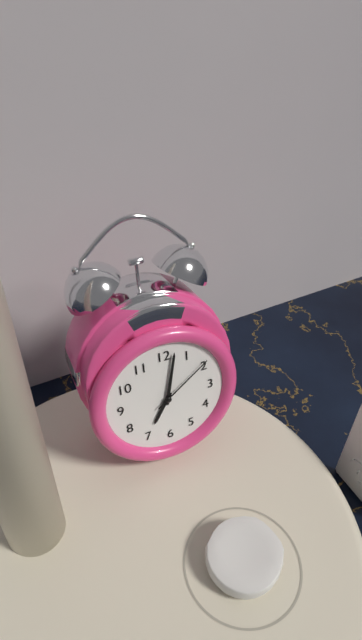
7:02:09
